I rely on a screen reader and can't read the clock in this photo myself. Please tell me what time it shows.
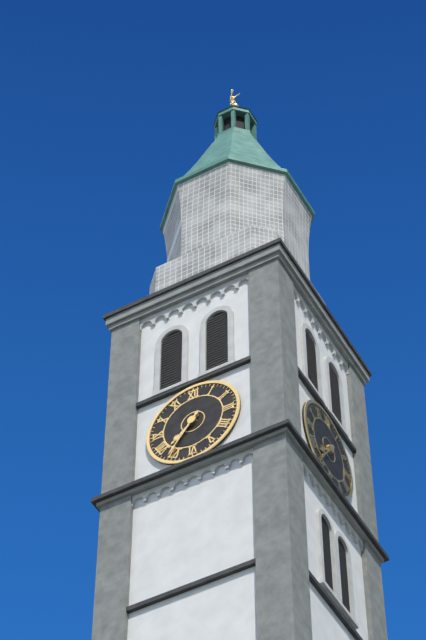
7:36
